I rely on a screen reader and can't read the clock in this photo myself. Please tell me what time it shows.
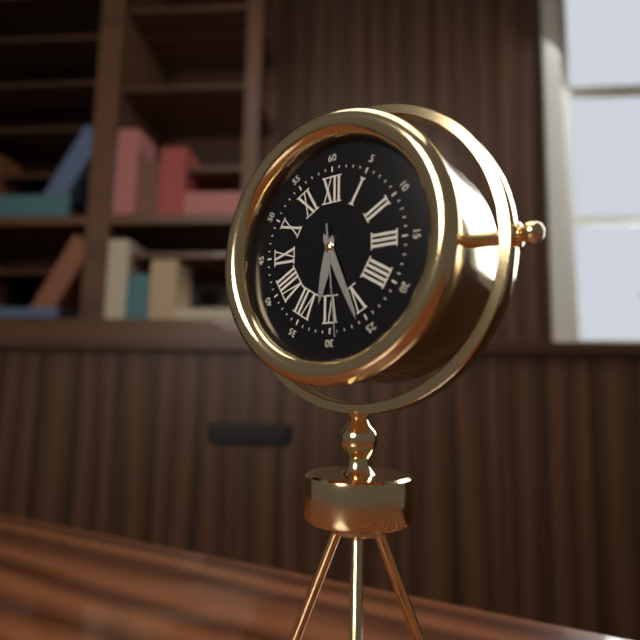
6:26:29
